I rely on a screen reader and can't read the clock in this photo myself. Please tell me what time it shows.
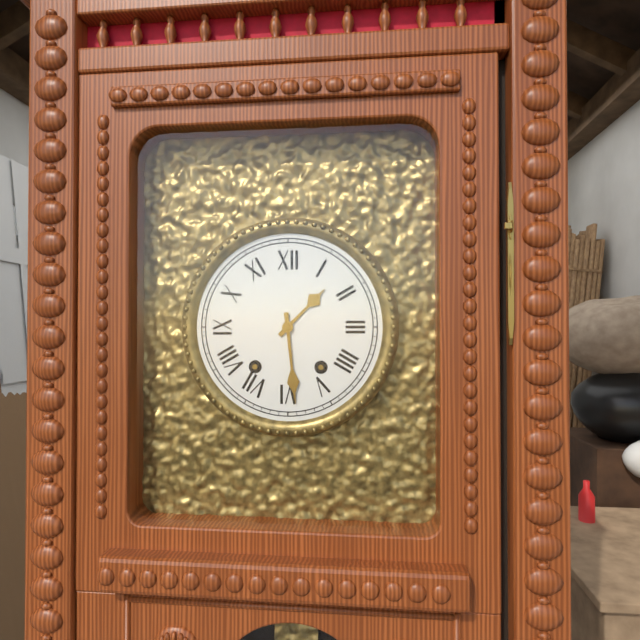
1:29
